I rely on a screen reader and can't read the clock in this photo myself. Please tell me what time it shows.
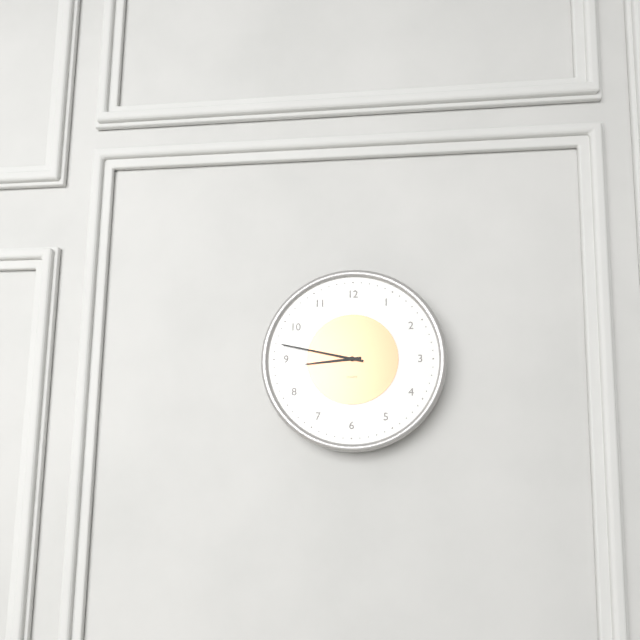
8:47
